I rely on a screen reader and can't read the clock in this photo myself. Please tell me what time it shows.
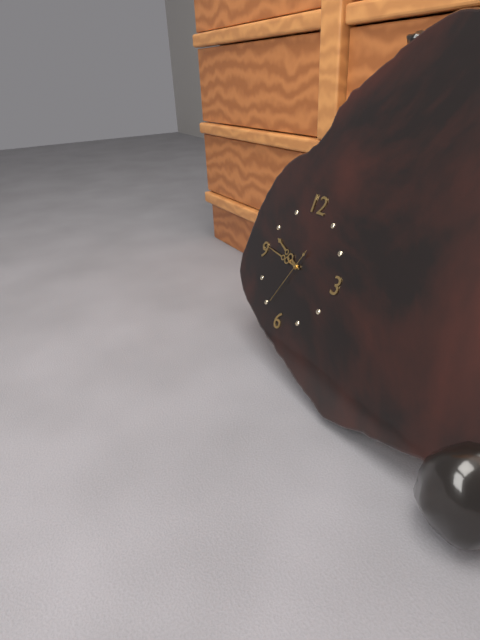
9:46:34
